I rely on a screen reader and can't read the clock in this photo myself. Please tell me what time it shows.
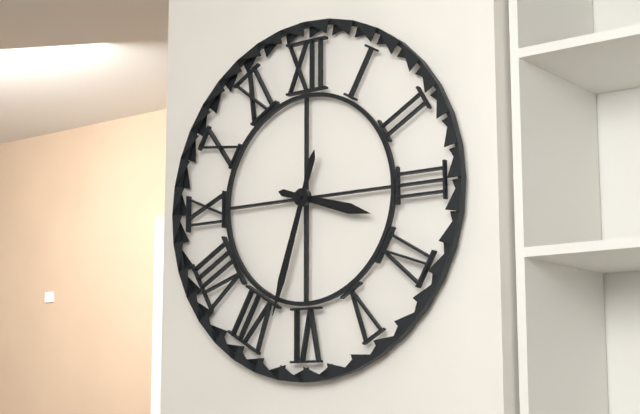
3:33
